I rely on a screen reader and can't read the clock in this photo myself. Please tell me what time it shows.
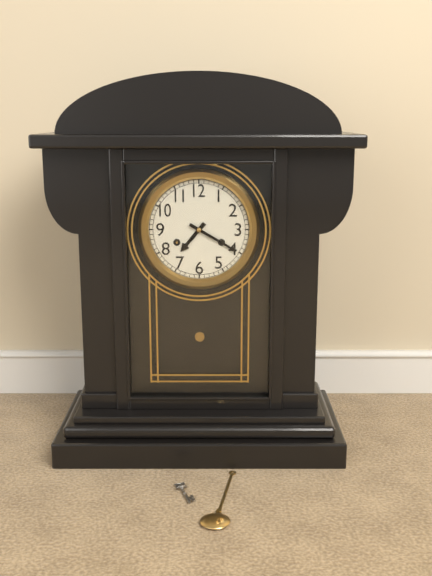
7:20
